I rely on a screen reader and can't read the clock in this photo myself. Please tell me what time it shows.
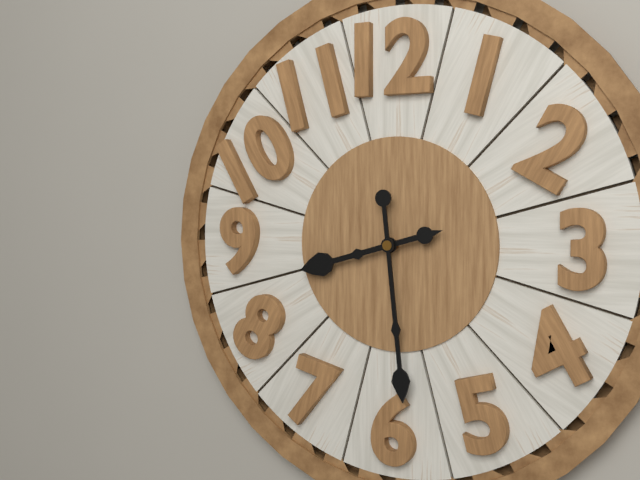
8:29
